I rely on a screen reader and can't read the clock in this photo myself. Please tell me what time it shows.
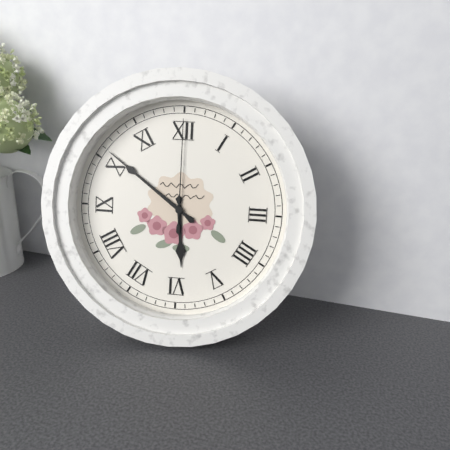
5:51:00
